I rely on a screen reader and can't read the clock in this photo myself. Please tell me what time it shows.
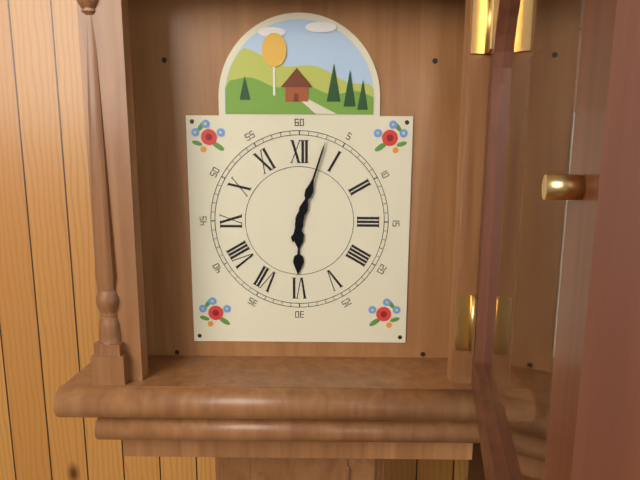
6:03
